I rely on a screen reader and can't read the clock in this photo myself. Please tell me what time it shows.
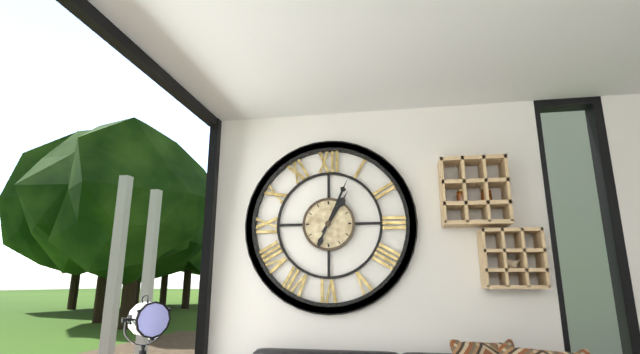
1:04
